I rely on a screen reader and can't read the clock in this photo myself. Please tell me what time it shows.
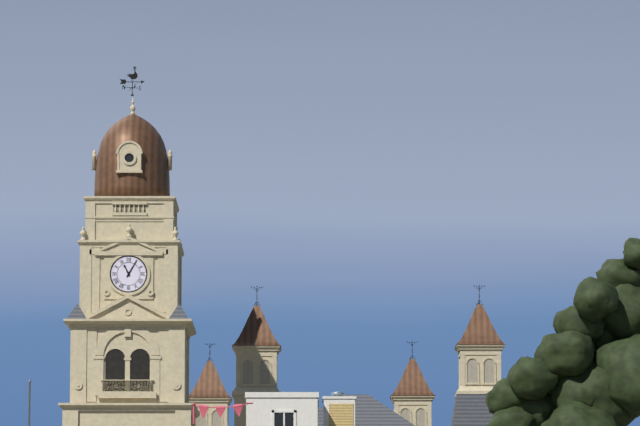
11:05
